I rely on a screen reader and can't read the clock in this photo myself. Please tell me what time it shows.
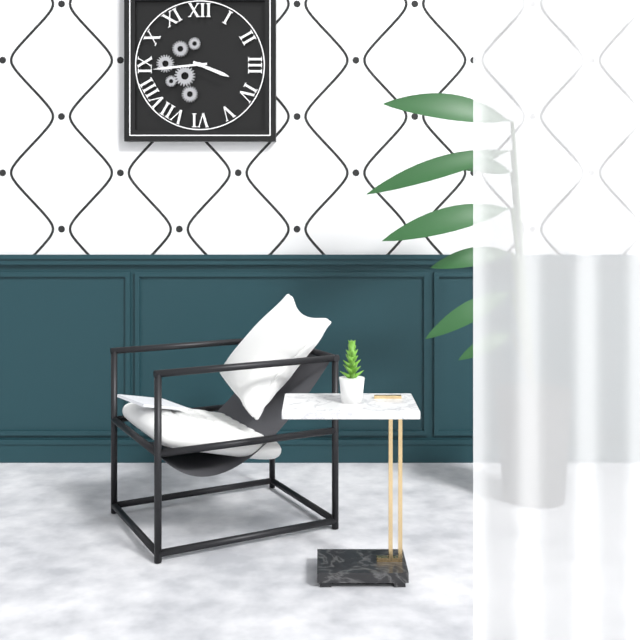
3:44
